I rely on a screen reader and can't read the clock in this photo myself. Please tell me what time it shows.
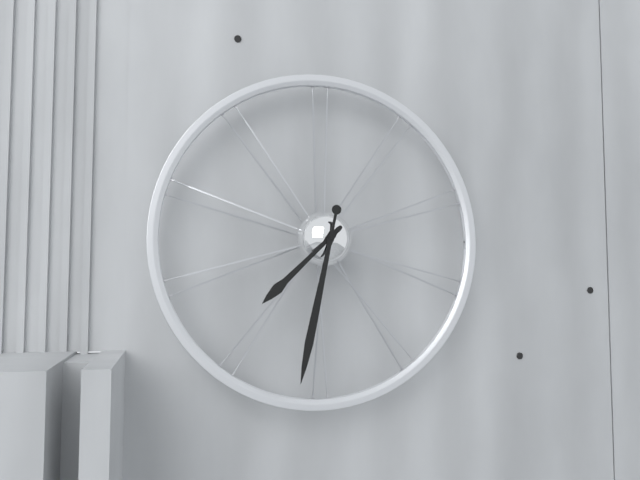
7:32
